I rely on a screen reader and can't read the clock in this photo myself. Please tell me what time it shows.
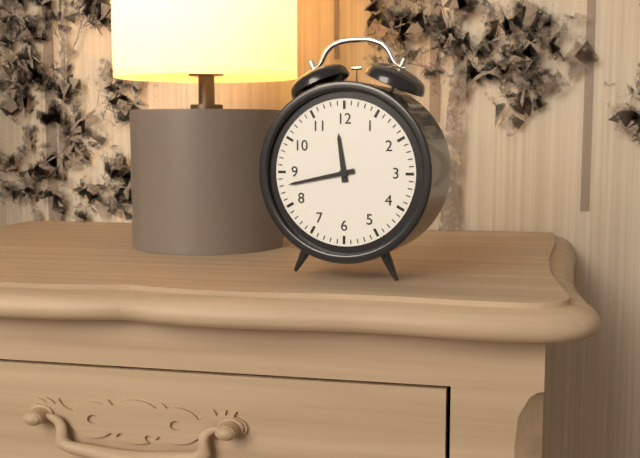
11:43
